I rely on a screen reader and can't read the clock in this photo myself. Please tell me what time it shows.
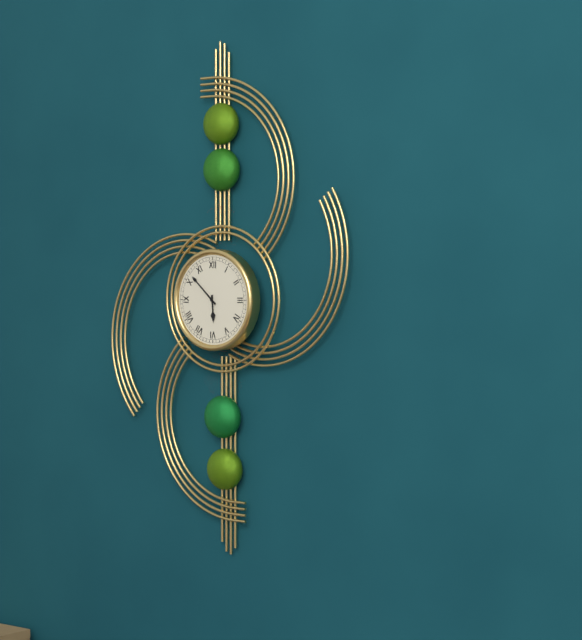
5:52
